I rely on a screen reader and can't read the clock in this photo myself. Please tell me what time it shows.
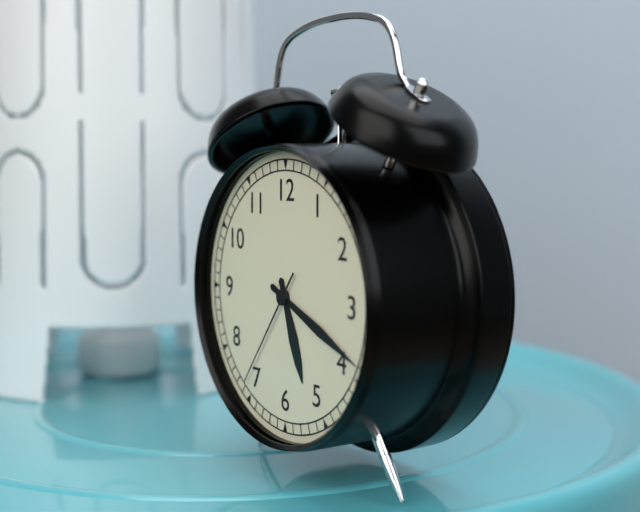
5:19:36
